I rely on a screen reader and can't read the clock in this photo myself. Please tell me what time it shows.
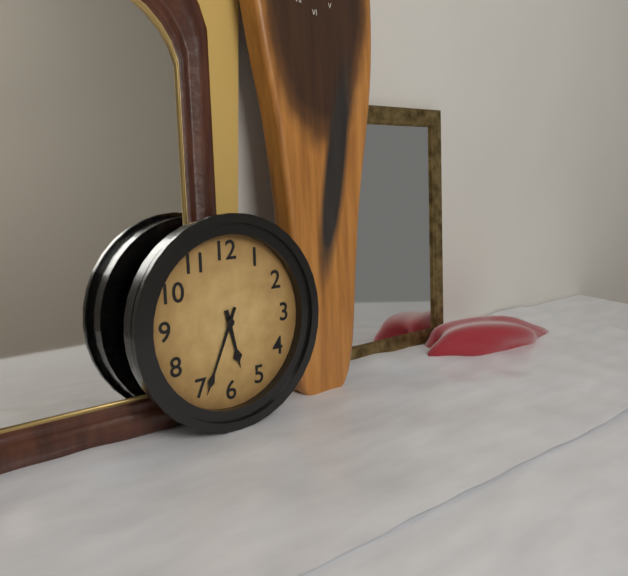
5:34
